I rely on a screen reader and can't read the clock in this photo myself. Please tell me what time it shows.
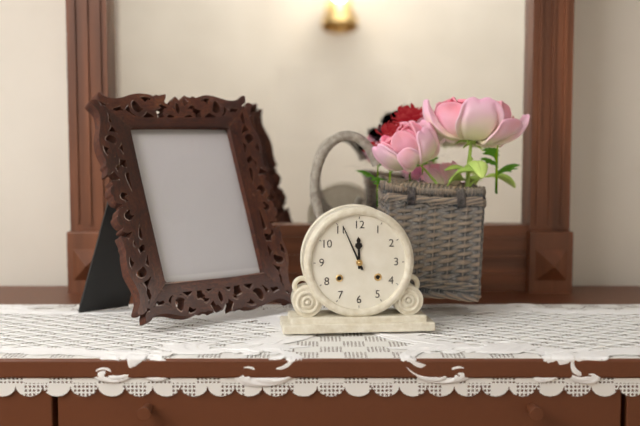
11:56
